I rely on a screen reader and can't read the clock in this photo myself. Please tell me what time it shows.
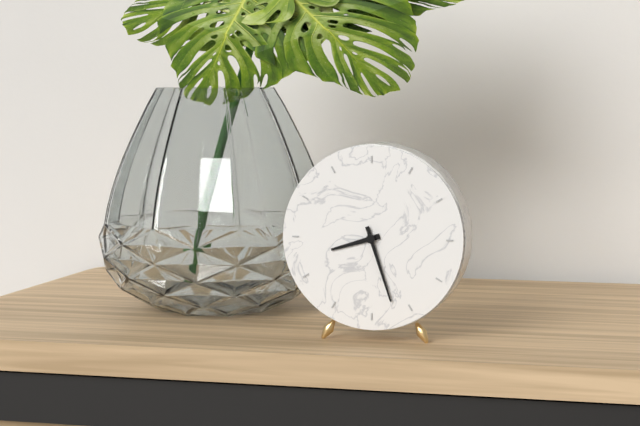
8:27
